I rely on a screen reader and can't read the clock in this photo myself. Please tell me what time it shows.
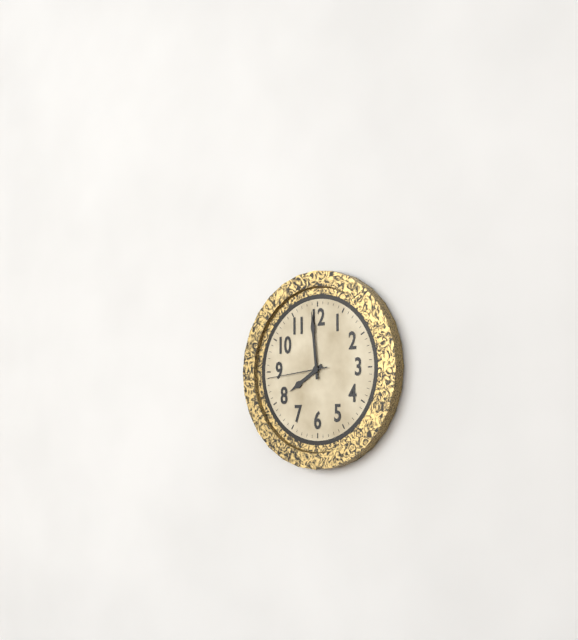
7:59:44
